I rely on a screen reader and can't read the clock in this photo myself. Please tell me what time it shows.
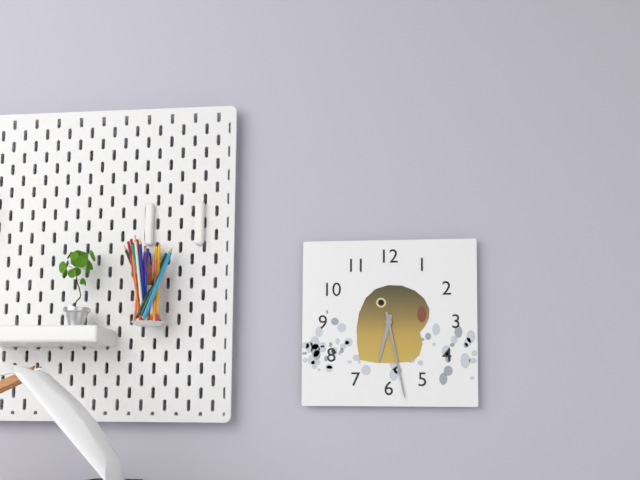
6:28
